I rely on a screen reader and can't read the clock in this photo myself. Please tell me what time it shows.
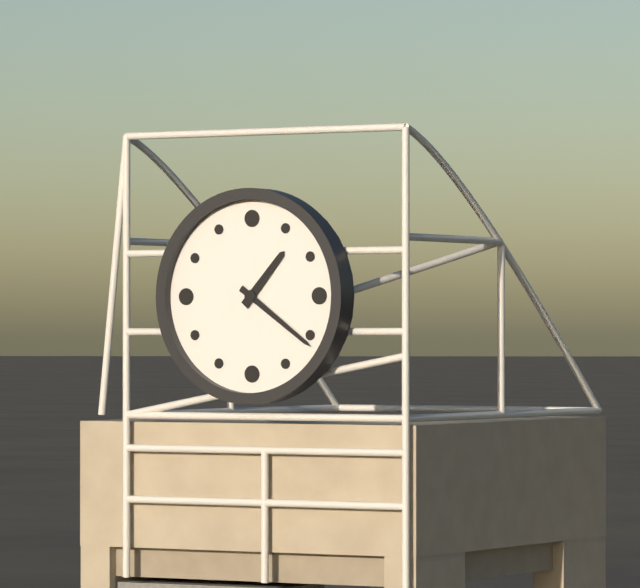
1:21
